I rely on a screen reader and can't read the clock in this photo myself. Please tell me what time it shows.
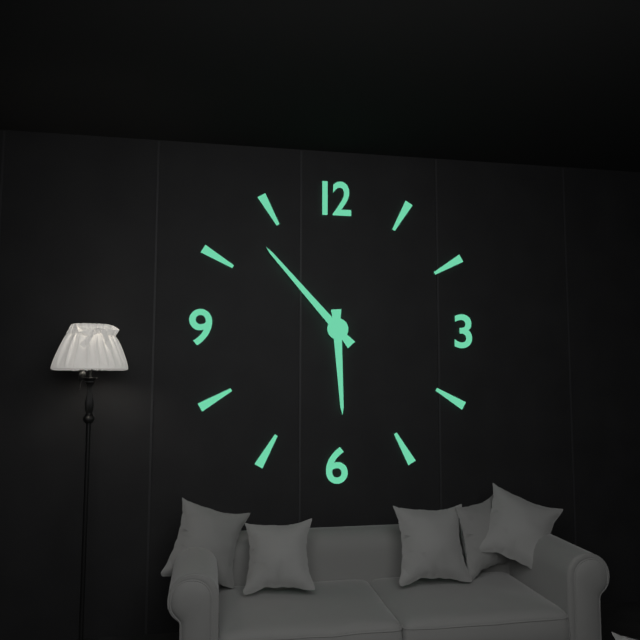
5:53
